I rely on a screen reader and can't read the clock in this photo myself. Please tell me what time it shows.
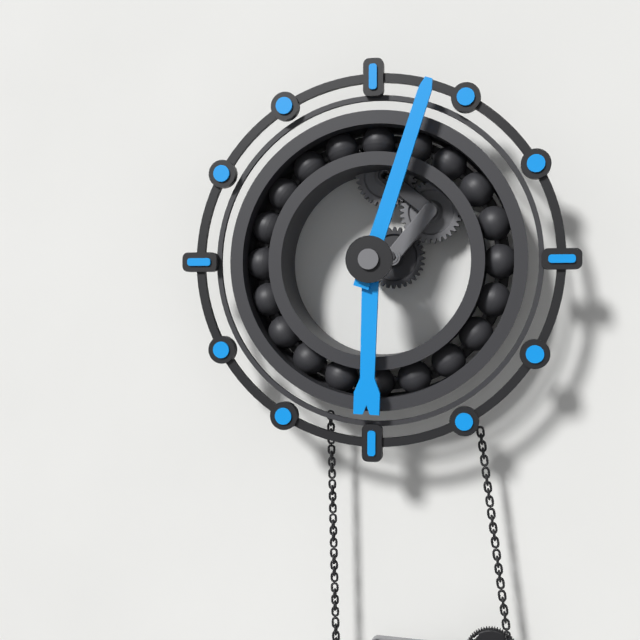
6:03
